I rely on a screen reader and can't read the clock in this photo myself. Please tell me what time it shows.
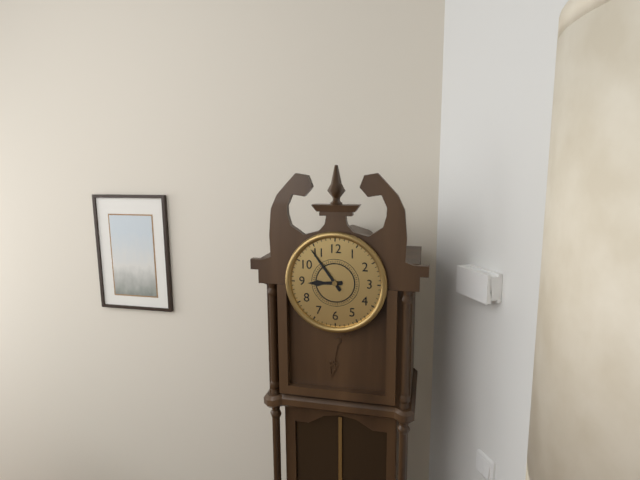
8:54
